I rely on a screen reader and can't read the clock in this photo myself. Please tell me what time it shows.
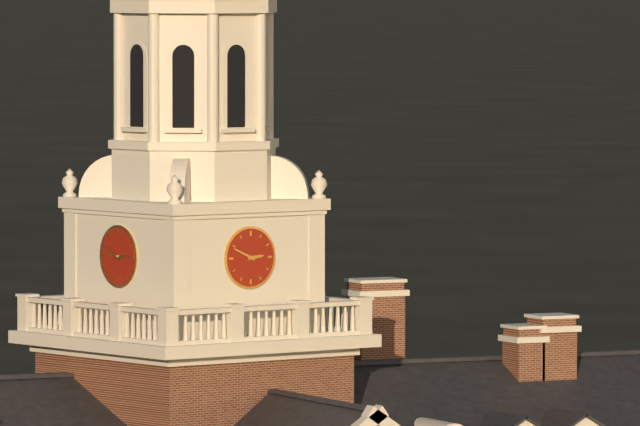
2:49
